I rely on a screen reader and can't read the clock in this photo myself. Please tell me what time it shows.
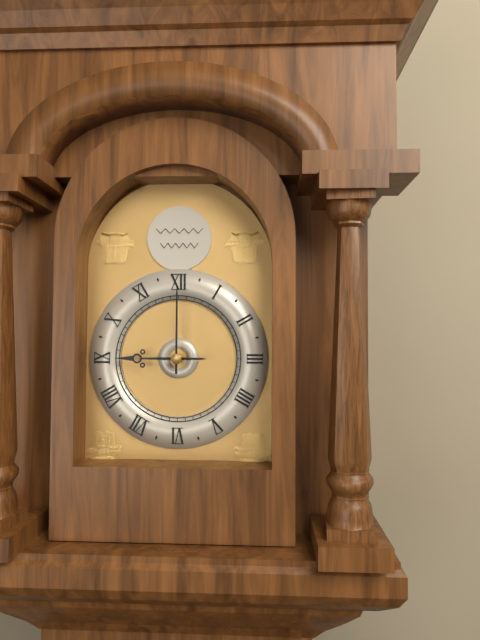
9:00
